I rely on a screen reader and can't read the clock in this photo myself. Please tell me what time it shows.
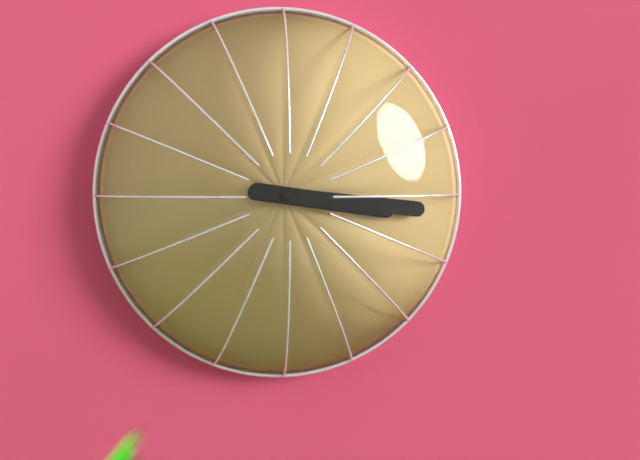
3:16
